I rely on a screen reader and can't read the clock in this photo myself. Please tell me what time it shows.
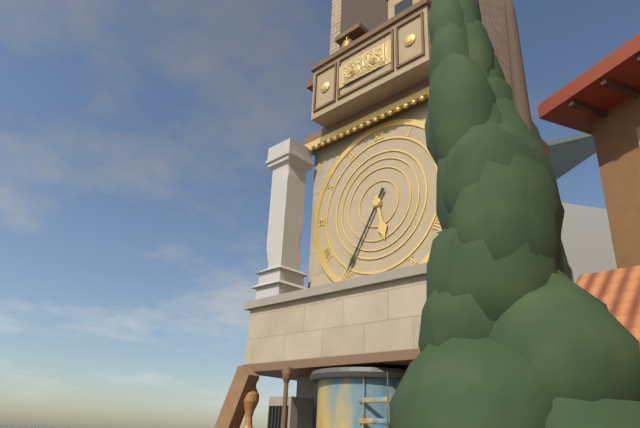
5:35
